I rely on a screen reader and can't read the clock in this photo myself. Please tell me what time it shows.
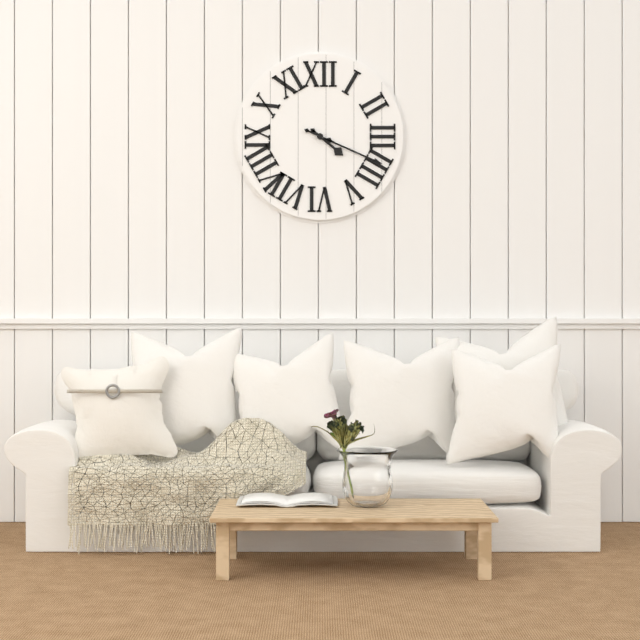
4:19
